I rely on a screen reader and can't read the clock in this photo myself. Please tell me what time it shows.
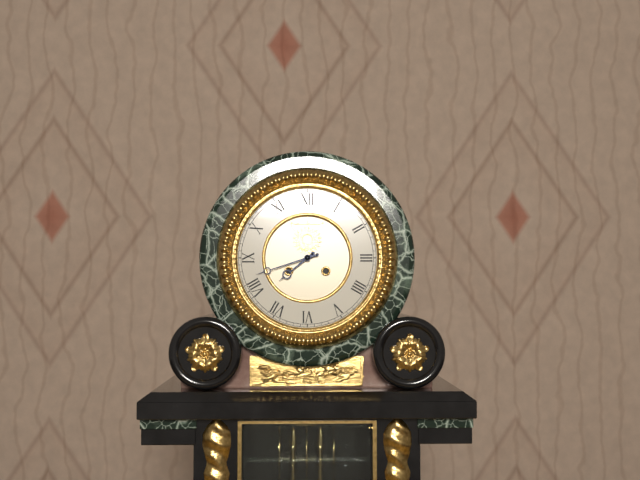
7:42
